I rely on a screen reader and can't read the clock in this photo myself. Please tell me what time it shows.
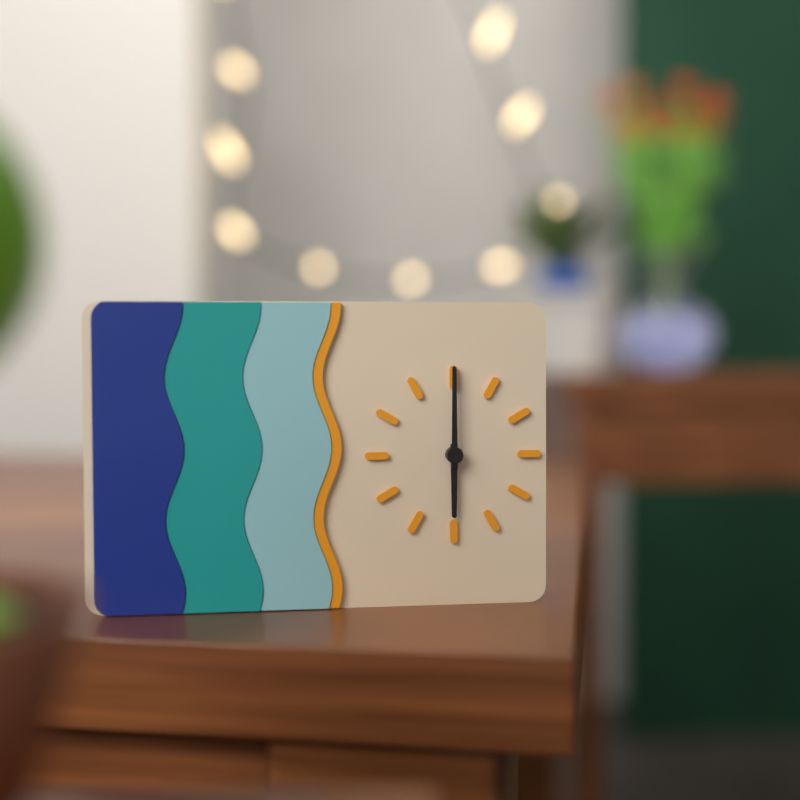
6:00
